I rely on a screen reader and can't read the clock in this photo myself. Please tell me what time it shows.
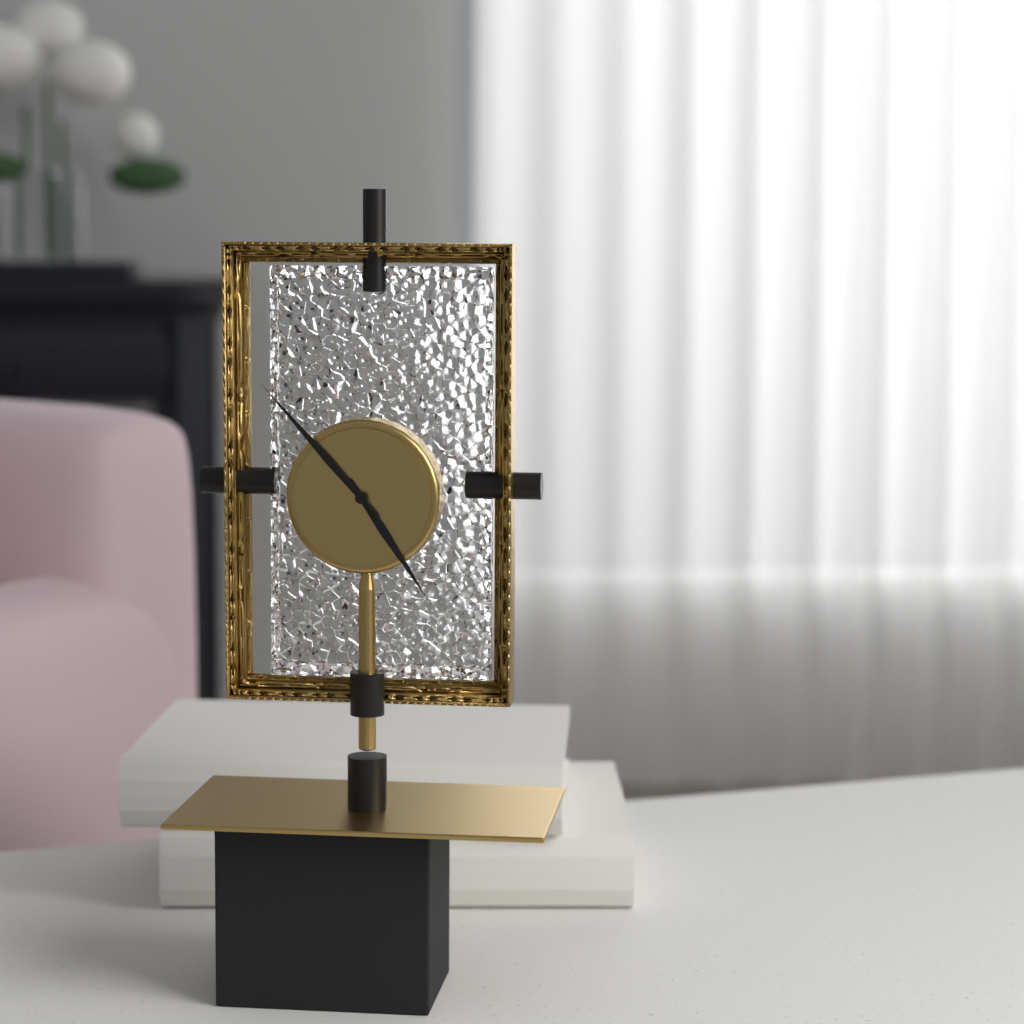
4:53
